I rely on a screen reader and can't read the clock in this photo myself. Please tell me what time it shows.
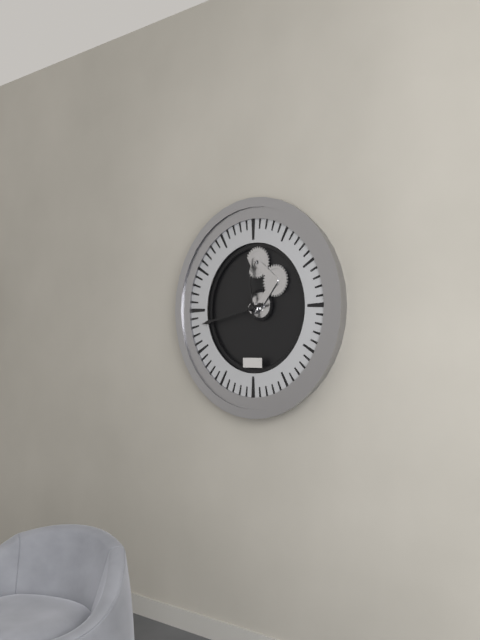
11:43
